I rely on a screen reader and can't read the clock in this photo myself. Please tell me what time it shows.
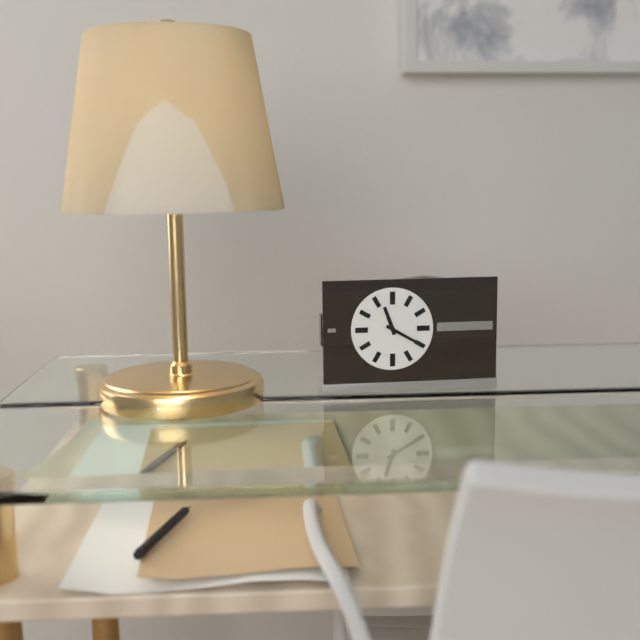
11:20
